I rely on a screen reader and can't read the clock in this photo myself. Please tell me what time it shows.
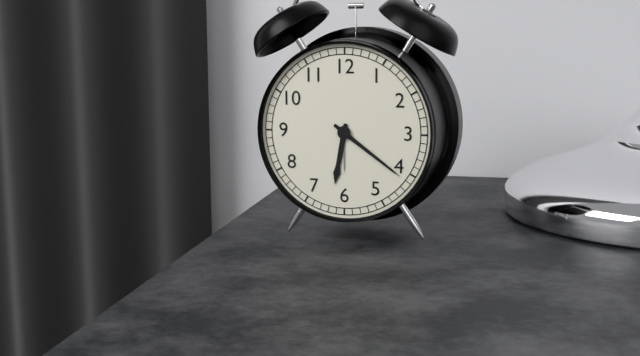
6:21
